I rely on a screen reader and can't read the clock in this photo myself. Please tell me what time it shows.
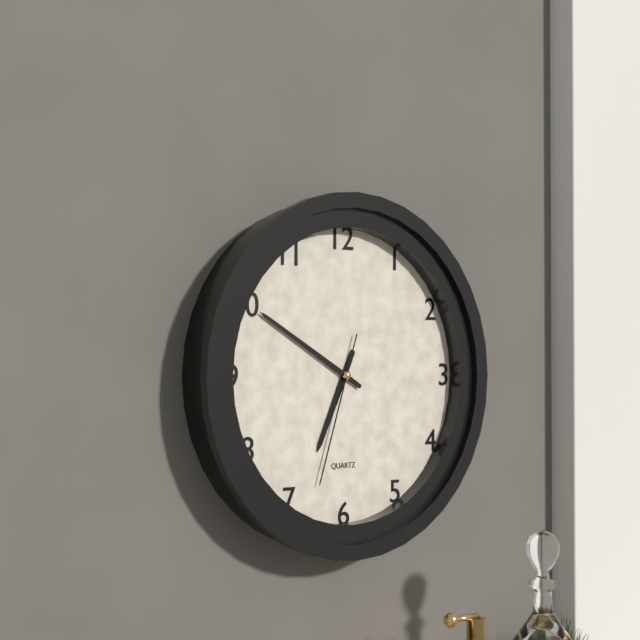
6:50:33
